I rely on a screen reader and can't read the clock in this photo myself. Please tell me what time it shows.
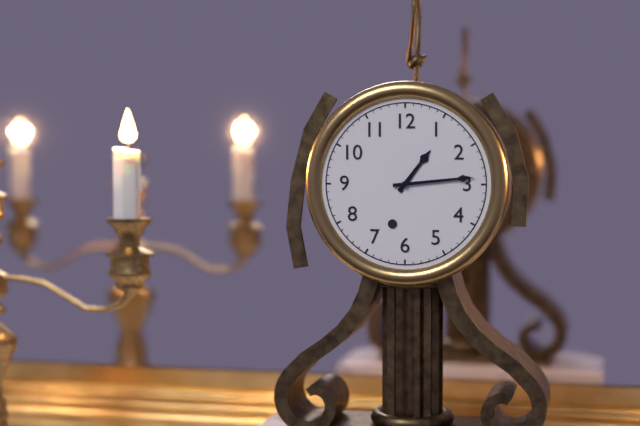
1:14
